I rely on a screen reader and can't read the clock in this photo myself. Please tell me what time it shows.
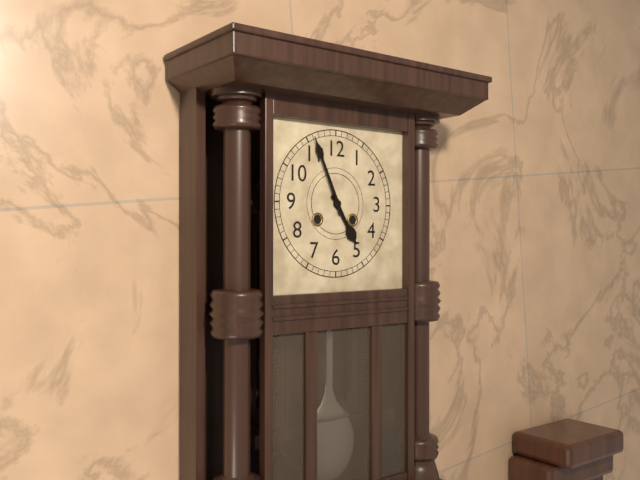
4:56
